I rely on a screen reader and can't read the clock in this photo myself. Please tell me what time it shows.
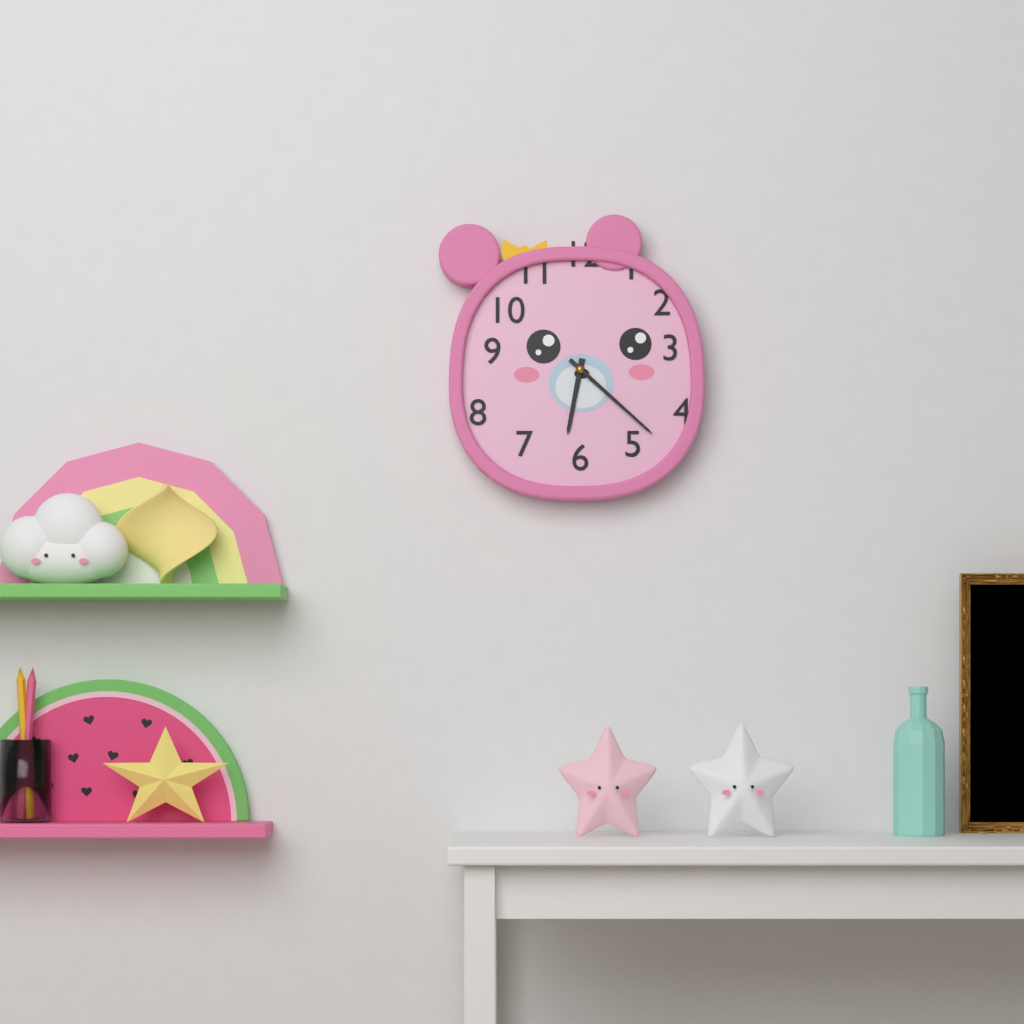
6:22
